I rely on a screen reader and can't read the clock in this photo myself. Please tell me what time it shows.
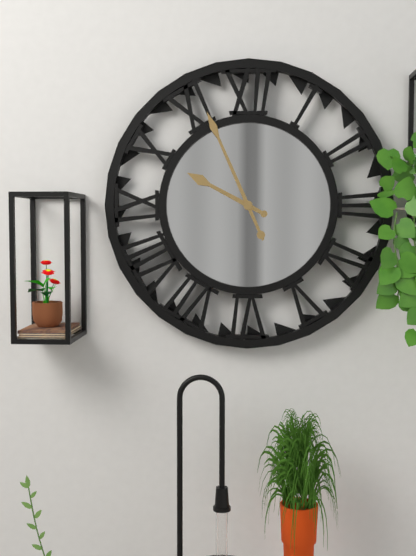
9:56
